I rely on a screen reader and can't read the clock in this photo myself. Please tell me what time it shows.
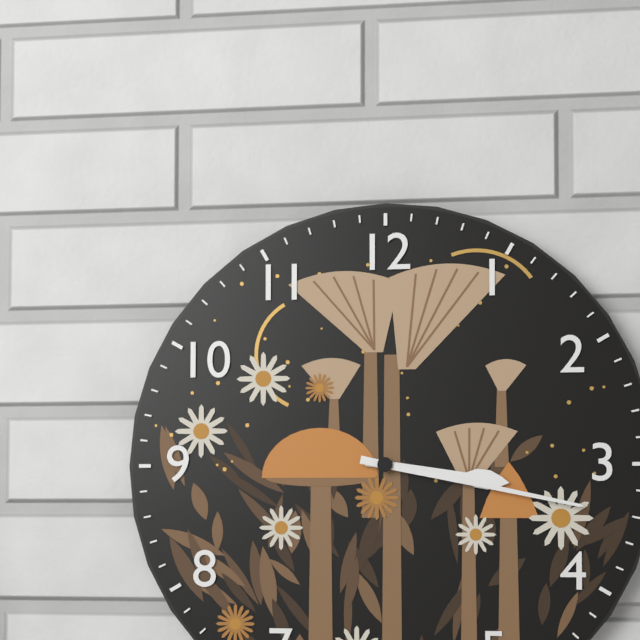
3:17
